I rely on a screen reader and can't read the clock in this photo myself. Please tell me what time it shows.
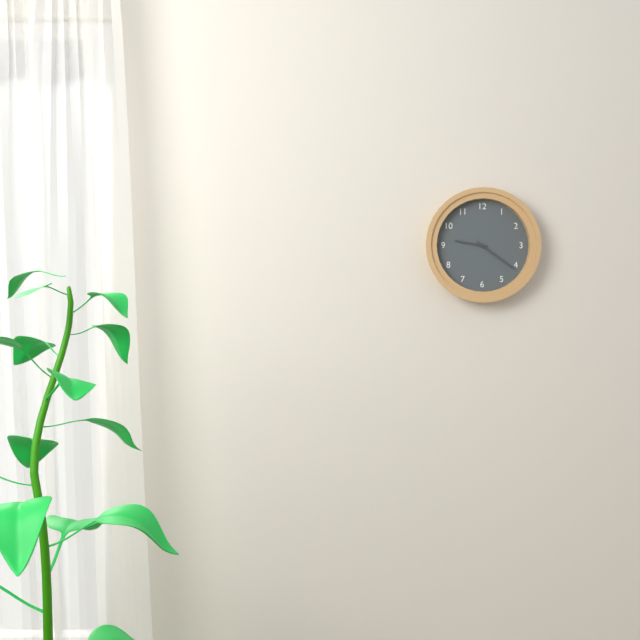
9:21
